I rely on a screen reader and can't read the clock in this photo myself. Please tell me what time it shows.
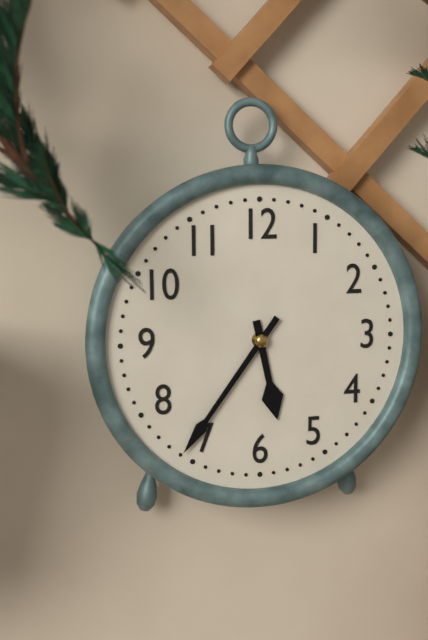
5:36
